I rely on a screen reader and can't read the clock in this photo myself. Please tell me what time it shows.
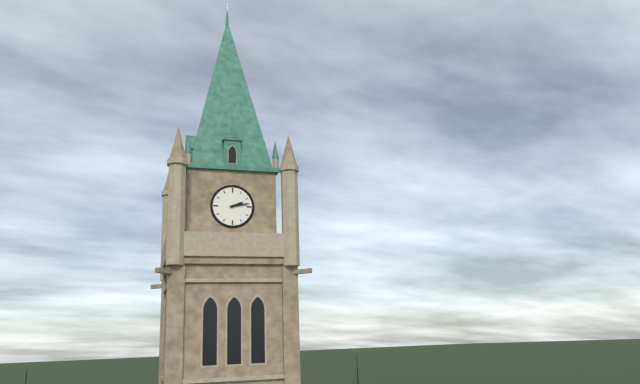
2:13
